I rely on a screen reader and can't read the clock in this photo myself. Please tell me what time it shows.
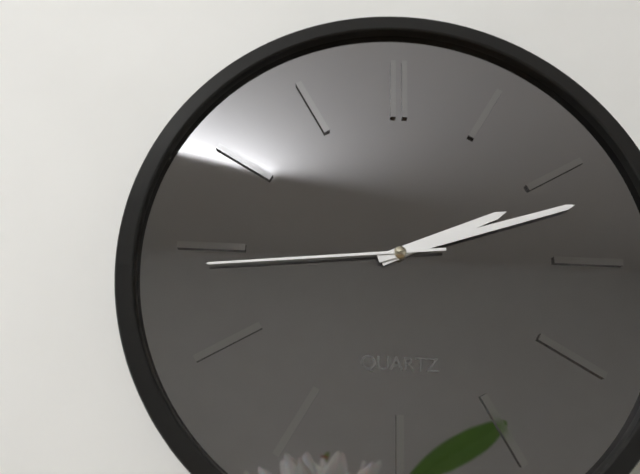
2:12:44
